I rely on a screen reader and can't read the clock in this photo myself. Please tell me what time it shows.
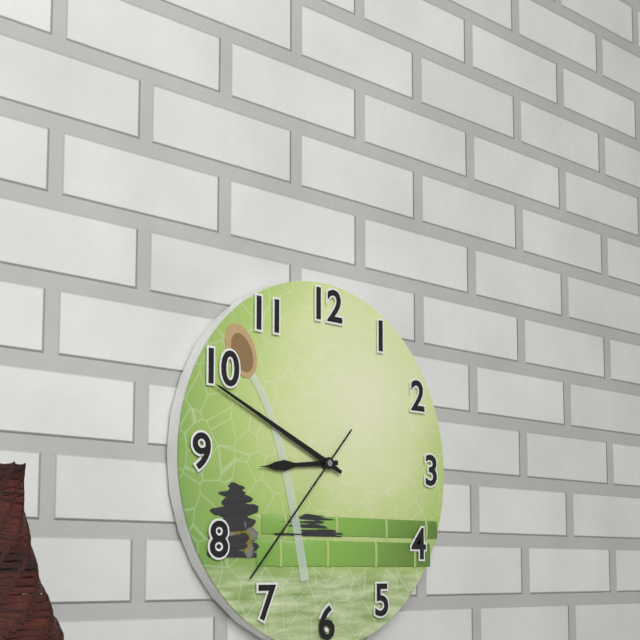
8:49:37
